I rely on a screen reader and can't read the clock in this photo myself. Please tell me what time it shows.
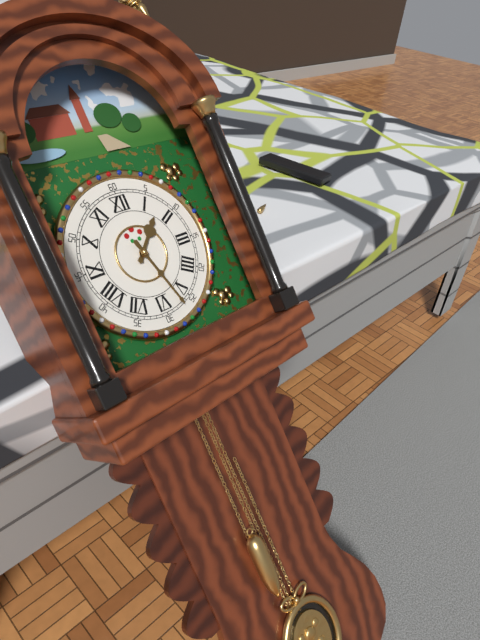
1:27
